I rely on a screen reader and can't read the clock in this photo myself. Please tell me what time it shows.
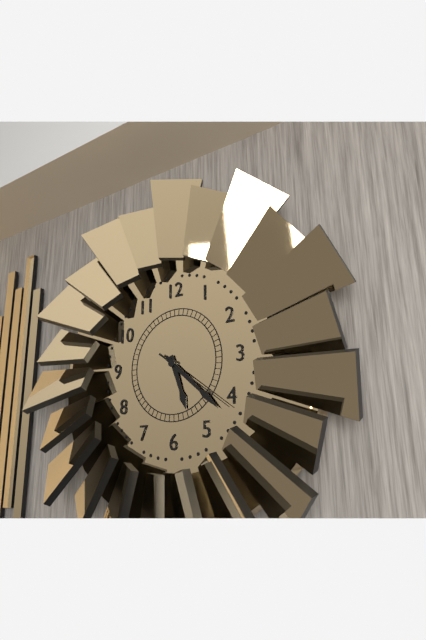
5:22:21
